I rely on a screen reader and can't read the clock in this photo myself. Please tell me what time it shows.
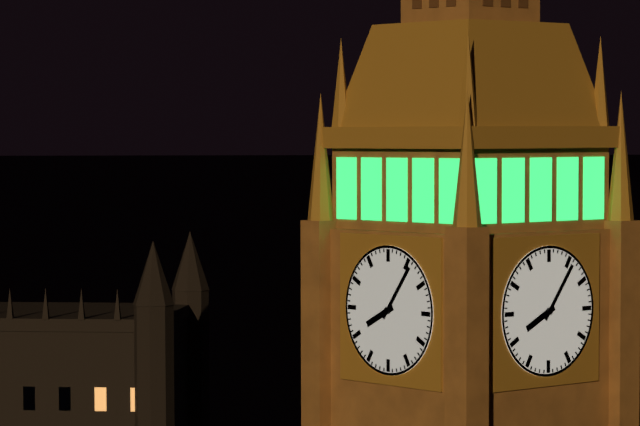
8:06
